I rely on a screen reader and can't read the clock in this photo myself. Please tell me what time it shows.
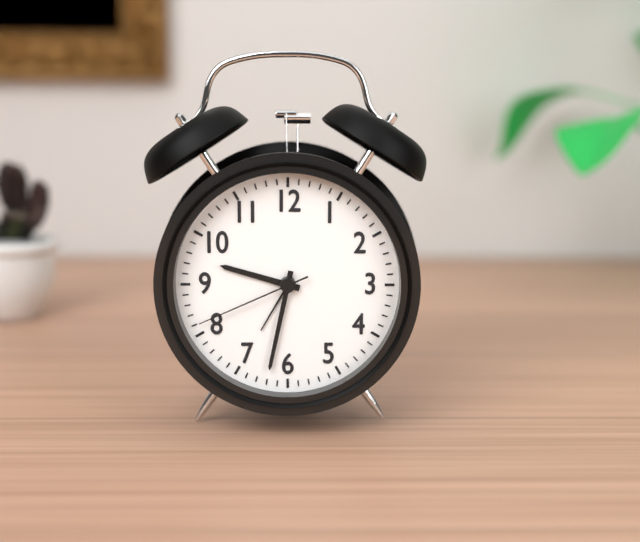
9:32:41
